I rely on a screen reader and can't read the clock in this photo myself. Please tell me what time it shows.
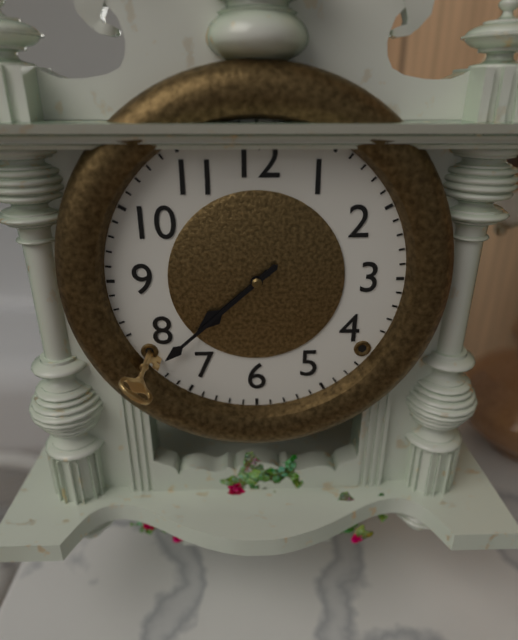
7:38
